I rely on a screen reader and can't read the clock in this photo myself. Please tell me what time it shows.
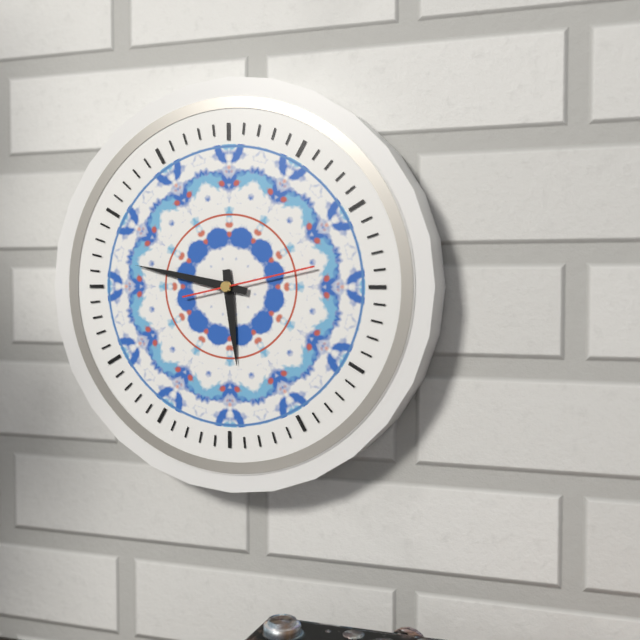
5:47:13
